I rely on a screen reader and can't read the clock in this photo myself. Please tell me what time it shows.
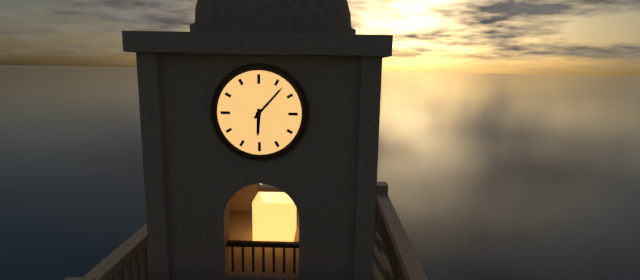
6:07
